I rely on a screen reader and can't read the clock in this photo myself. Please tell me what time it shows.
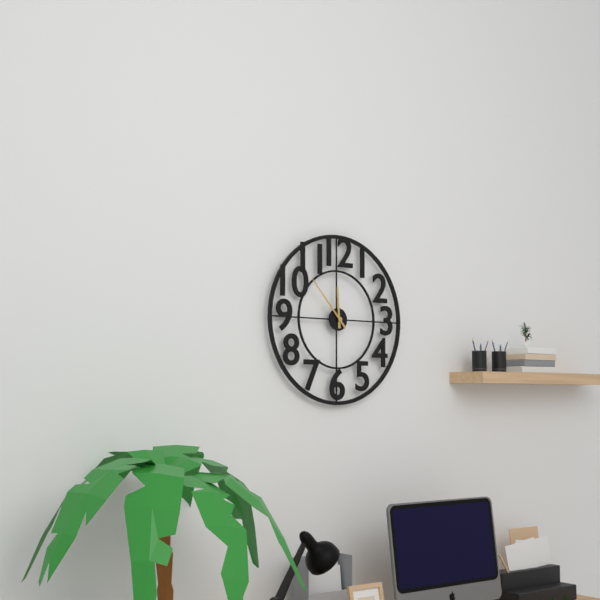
11:53
